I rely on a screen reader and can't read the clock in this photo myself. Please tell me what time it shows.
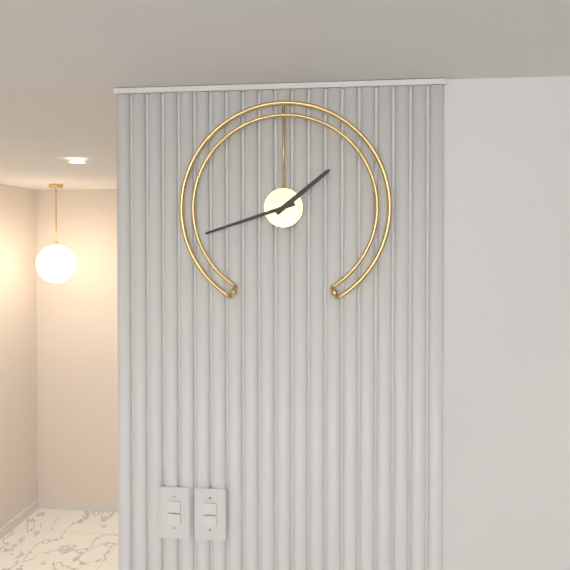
1:42
